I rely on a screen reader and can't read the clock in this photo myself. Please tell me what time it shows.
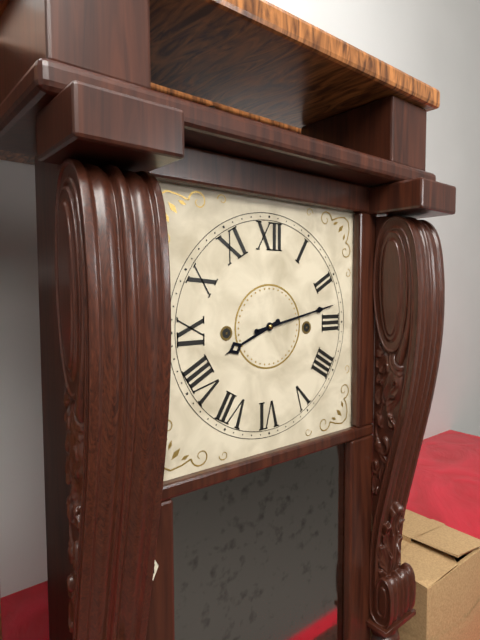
8:13
